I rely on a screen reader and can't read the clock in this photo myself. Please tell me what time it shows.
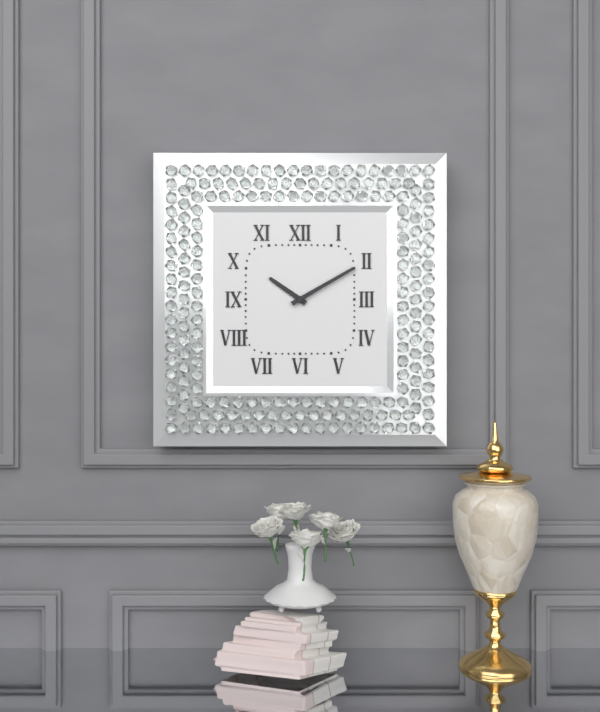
10:10
